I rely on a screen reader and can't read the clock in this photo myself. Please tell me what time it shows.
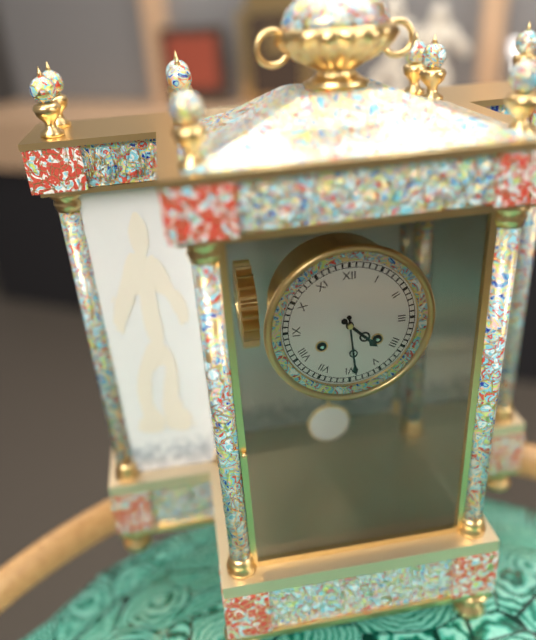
4:29
